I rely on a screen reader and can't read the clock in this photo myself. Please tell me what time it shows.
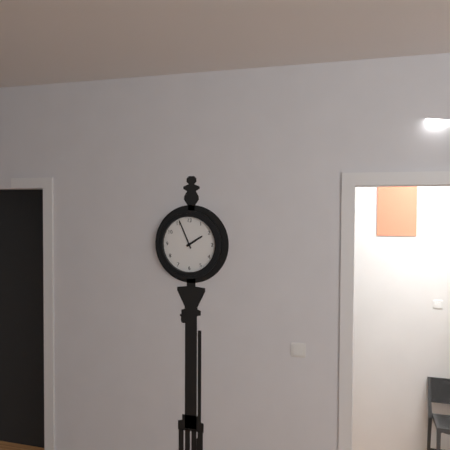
1:56
